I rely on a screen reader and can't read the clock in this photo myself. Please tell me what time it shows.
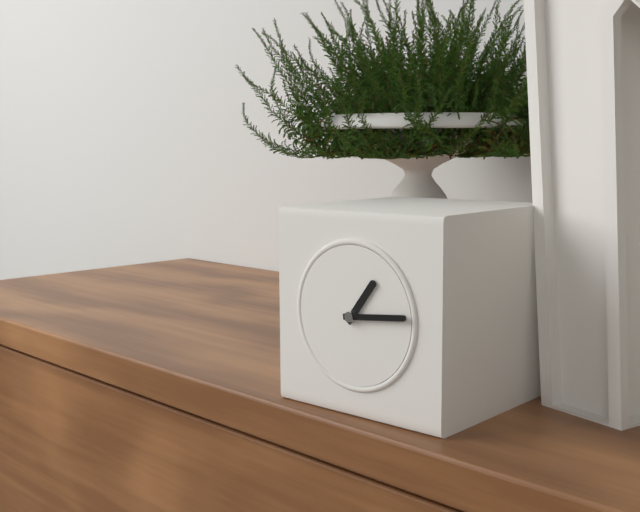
1:14
